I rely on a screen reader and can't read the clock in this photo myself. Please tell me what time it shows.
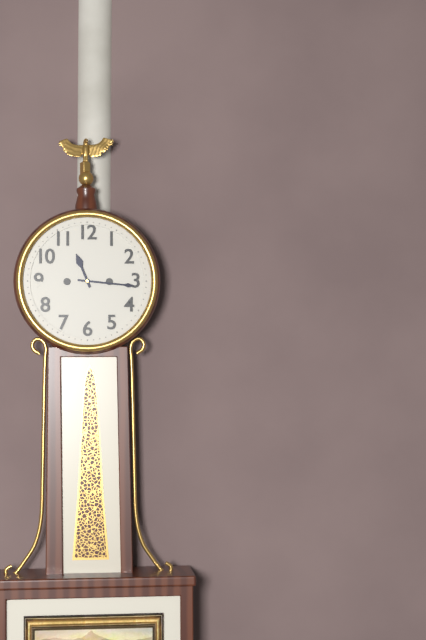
11:16
